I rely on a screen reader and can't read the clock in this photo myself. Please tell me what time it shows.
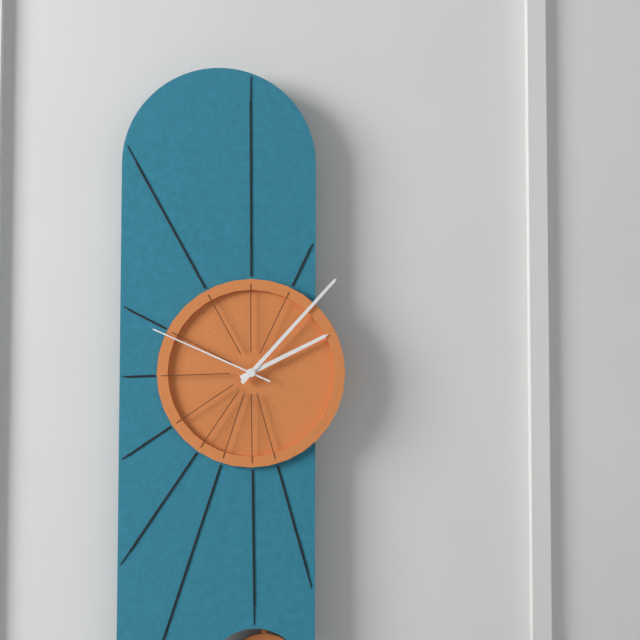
2:07:49
